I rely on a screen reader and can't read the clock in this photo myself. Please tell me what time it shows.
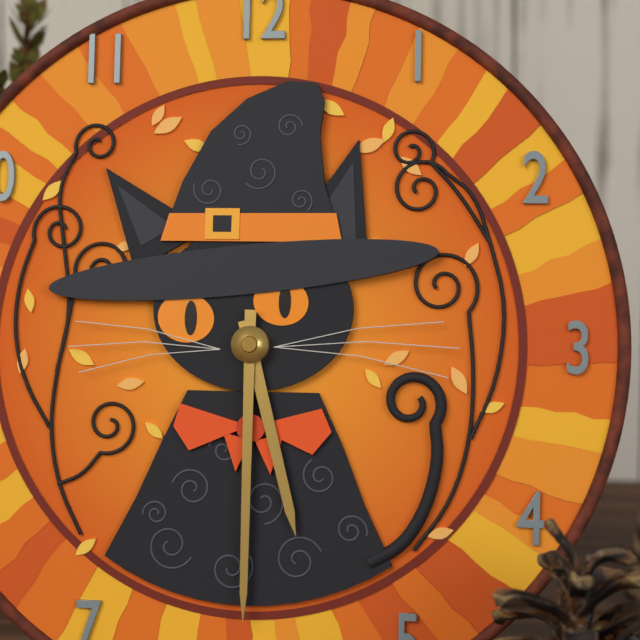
5:30
